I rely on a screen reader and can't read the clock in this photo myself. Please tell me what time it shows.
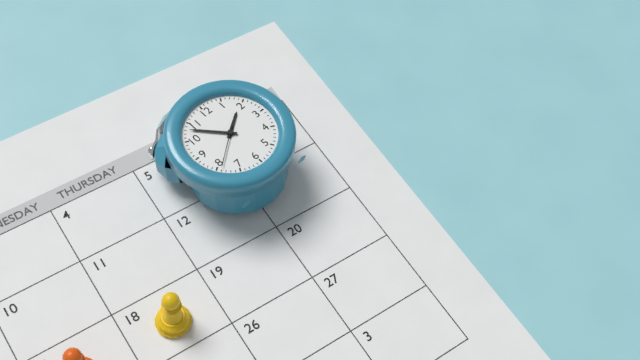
1:53
